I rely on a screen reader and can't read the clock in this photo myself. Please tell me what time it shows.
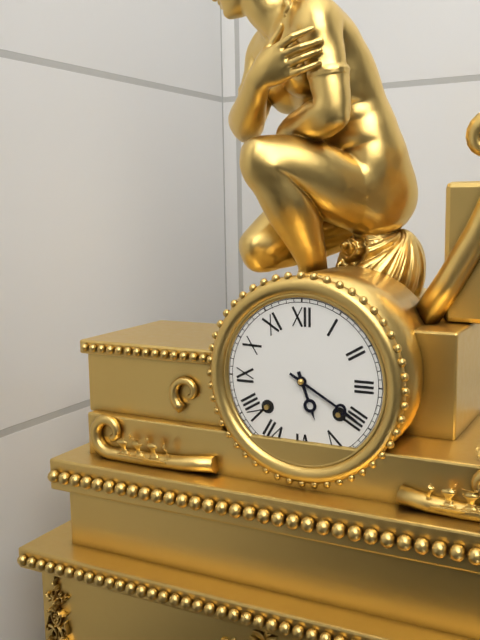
5:20
